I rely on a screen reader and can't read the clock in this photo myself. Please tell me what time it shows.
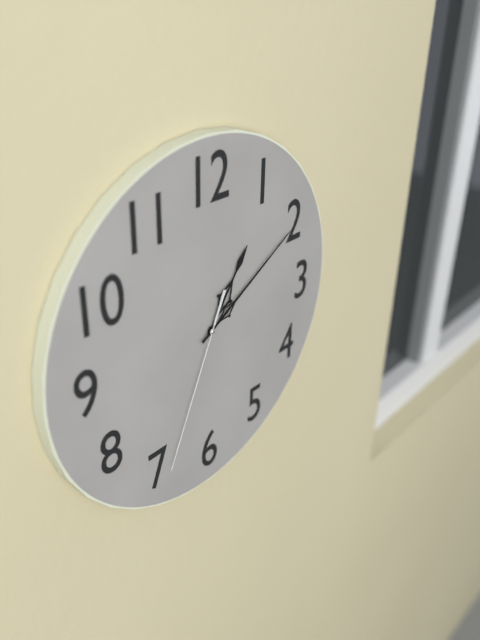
1:10:34
